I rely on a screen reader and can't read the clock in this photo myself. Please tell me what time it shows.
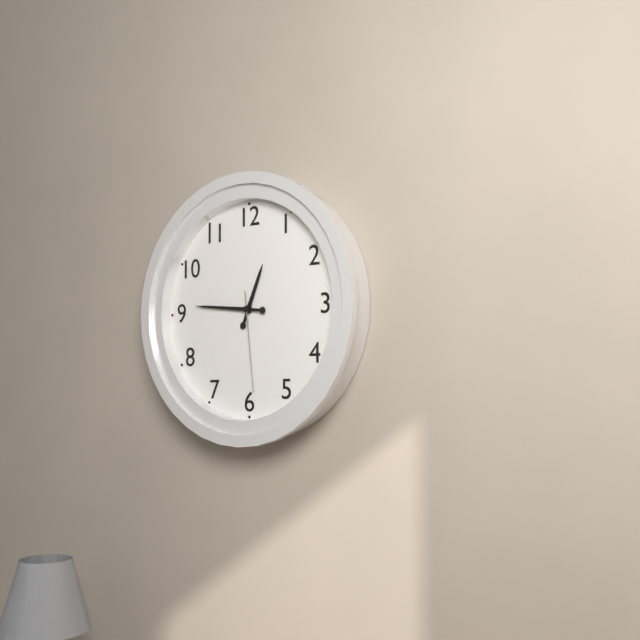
12:46:29
